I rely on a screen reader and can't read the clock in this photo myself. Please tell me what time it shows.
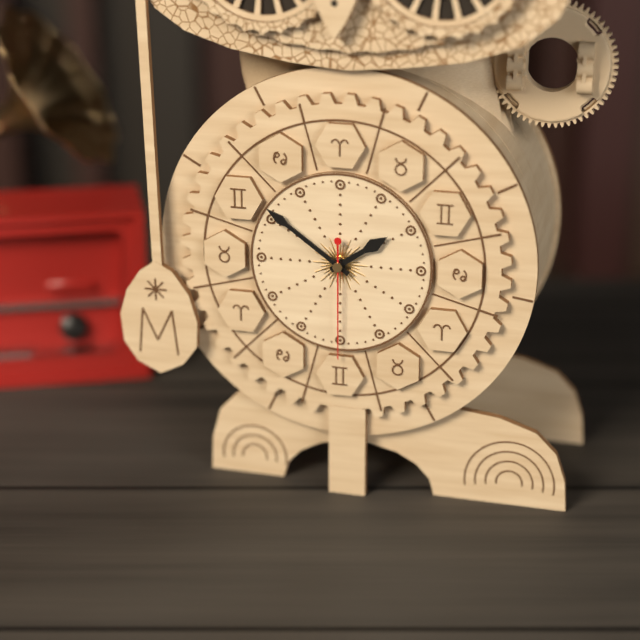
1:51:30
